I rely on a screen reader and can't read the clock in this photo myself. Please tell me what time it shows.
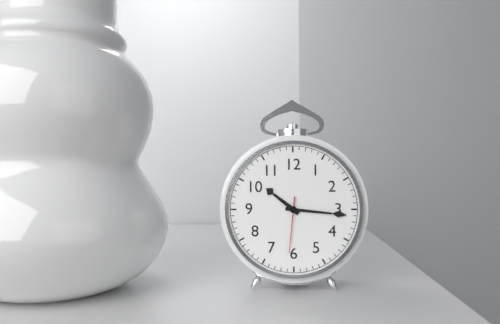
10:16:31
